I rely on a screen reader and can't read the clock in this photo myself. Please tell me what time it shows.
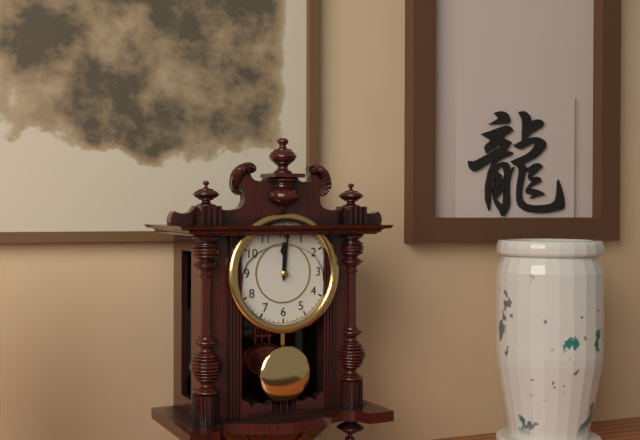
12:01
